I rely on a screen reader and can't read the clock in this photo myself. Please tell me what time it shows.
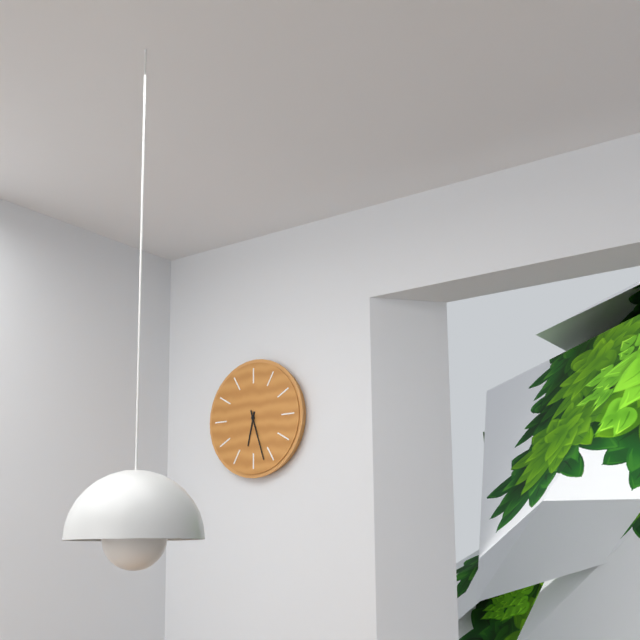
6:27
